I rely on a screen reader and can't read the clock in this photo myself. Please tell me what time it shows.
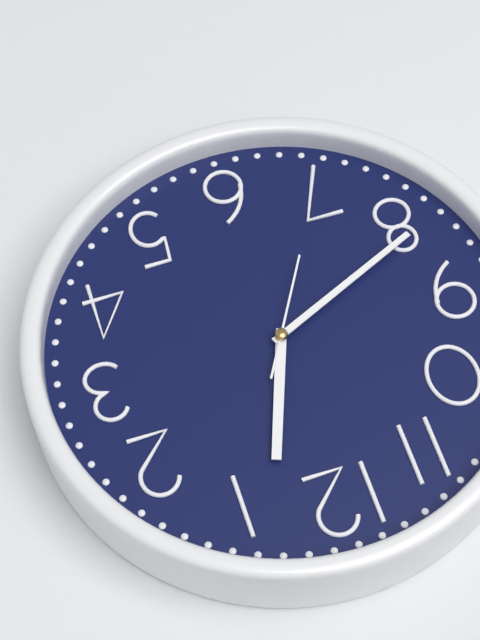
12:41:35
